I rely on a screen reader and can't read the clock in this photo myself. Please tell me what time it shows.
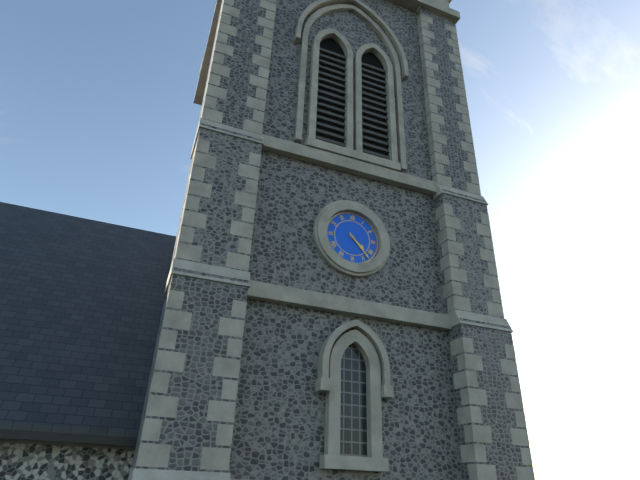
4:23
